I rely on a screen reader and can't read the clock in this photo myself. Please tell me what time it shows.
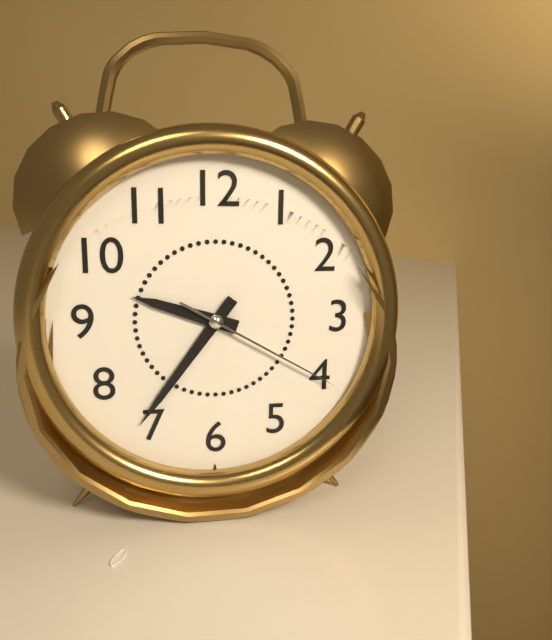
9:36:20
